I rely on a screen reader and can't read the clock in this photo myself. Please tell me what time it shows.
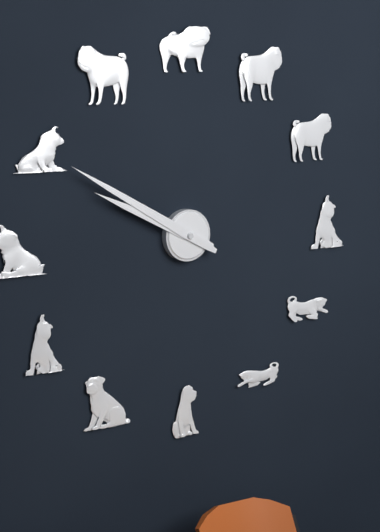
9:50
